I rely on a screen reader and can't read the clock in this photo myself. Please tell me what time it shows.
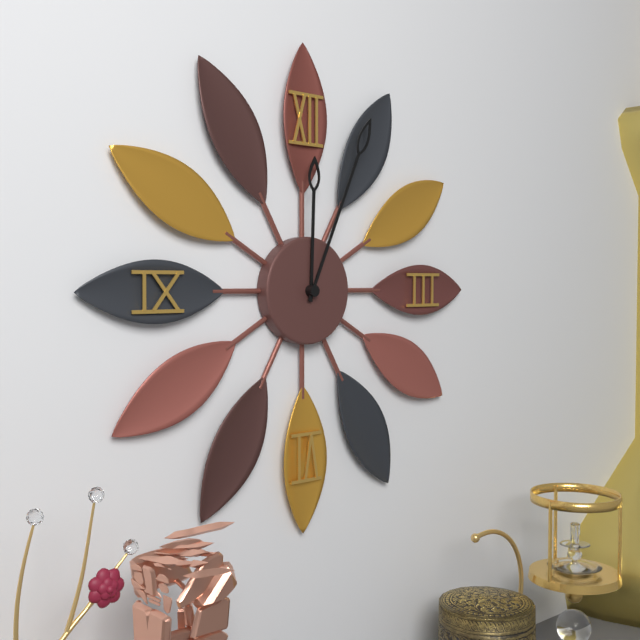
12:04
